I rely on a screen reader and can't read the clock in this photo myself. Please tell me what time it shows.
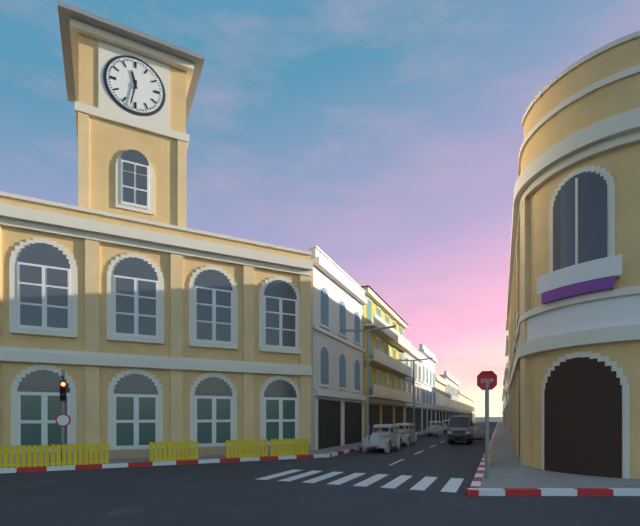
11:32
